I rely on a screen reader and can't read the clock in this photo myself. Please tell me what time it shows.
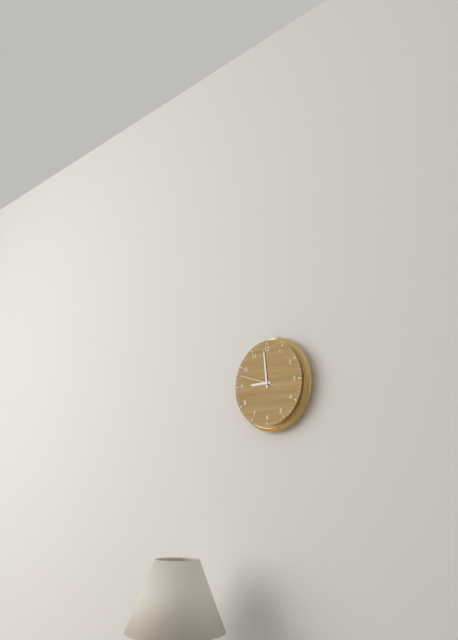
8:59
